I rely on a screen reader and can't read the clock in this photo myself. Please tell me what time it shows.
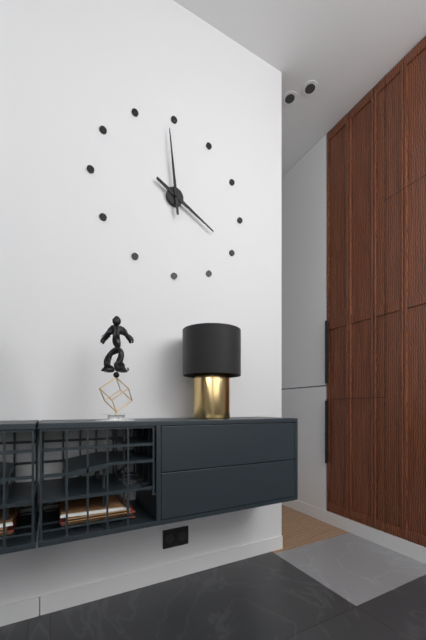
3:59
